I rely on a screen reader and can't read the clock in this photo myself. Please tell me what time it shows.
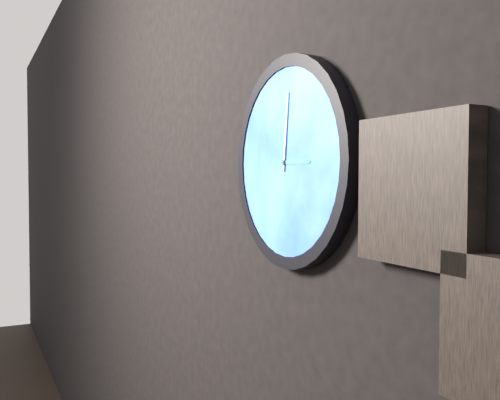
3:01
